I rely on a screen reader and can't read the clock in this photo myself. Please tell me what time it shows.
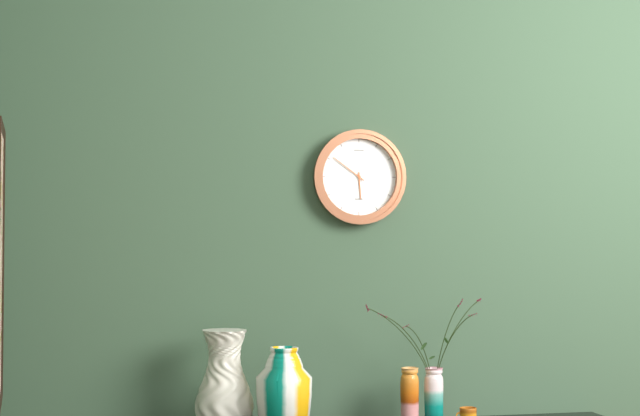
5:51
